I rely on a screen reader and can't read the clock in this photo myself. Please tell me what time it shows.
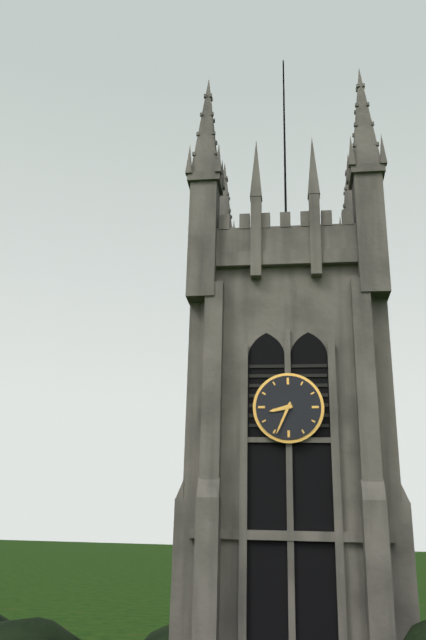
8:34
